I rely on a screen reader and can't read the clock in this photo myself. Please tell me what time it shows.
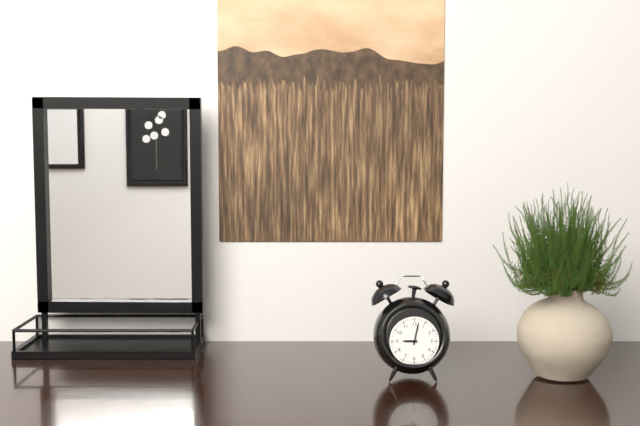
9:02
